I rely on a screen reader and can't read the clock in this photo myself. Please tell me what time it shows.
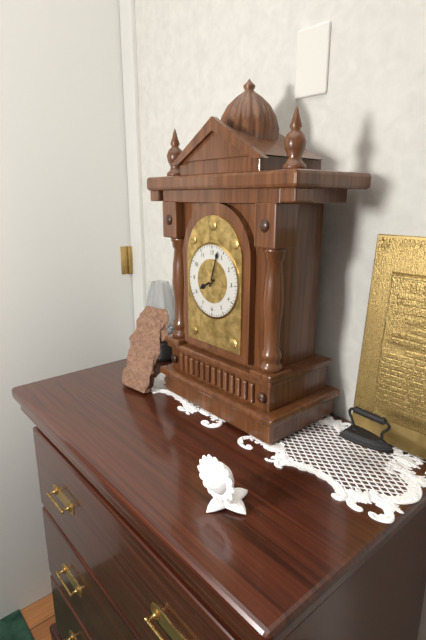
8:03
